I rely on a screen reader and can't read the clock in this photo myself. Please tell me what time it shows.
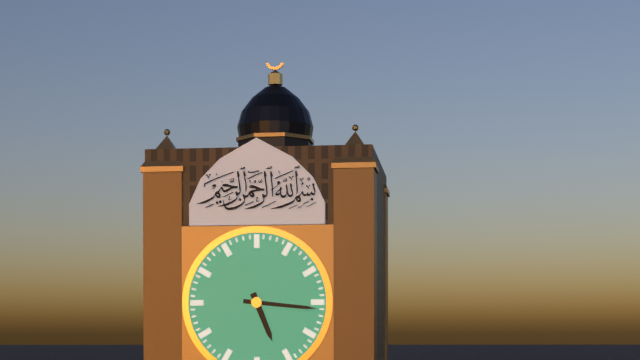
5:16
